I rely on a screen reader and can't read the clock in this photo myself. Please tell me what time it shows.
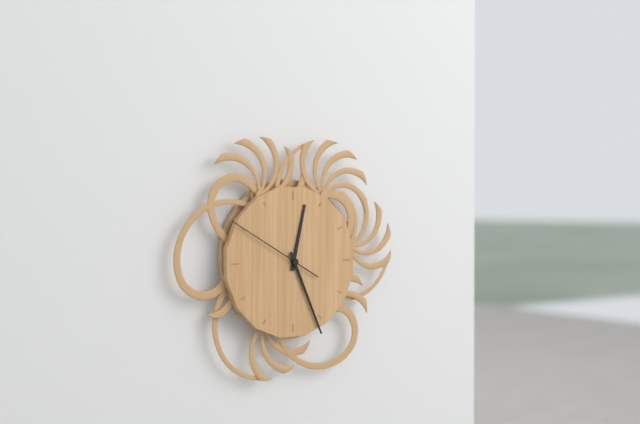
12:26:50
